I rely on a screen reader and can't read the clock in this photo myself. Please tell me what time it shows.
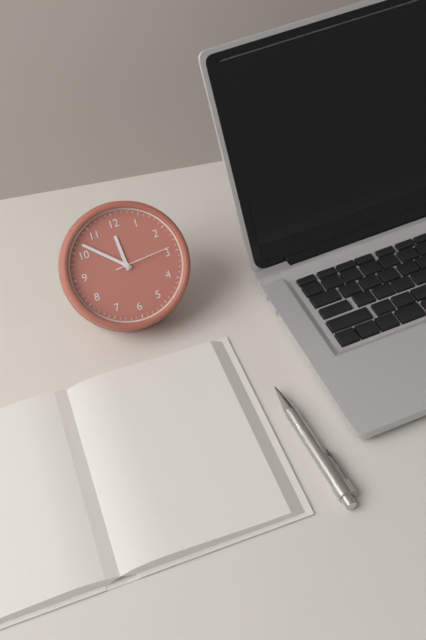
11:52:14
